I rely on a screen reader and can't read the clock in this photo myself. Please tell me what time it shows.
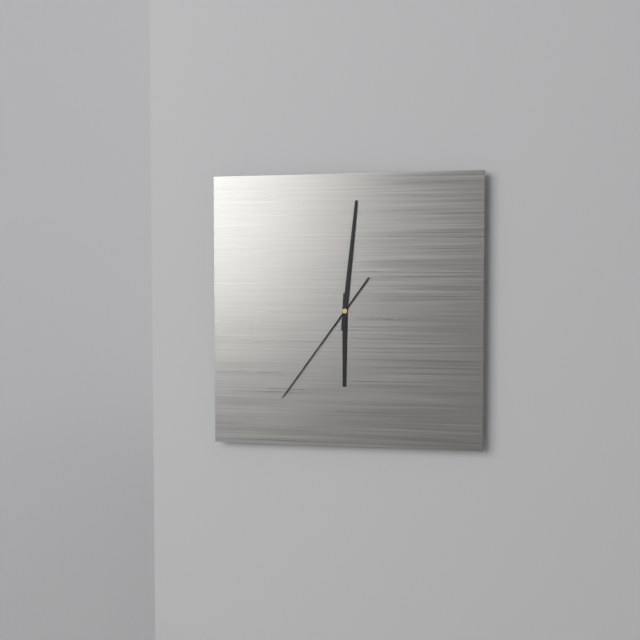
6:01:36
